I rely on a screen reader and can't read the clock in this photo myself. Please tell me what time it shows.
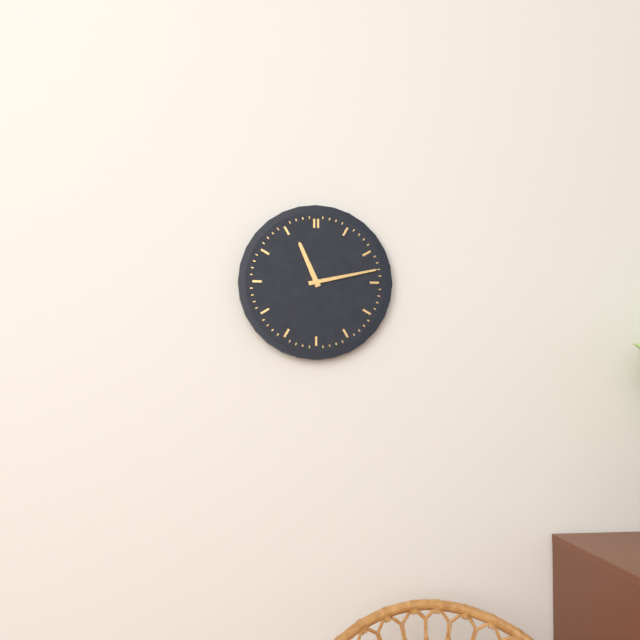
11:13
